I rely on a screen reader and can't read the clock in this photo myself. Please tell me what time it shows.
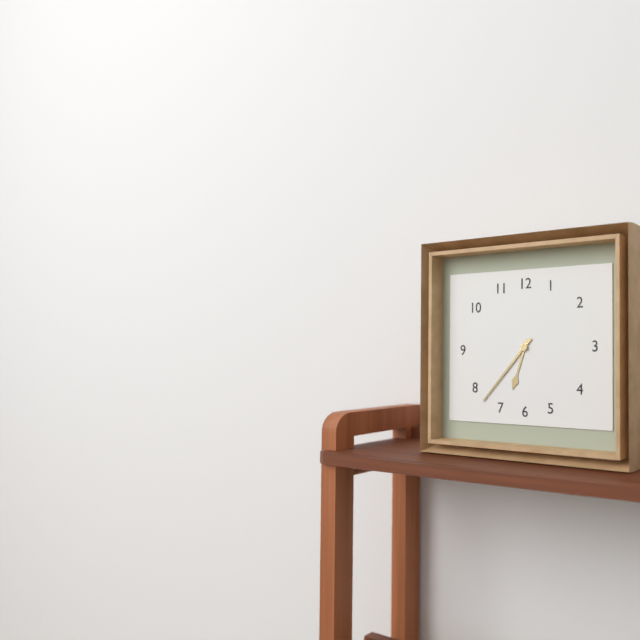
6:37
